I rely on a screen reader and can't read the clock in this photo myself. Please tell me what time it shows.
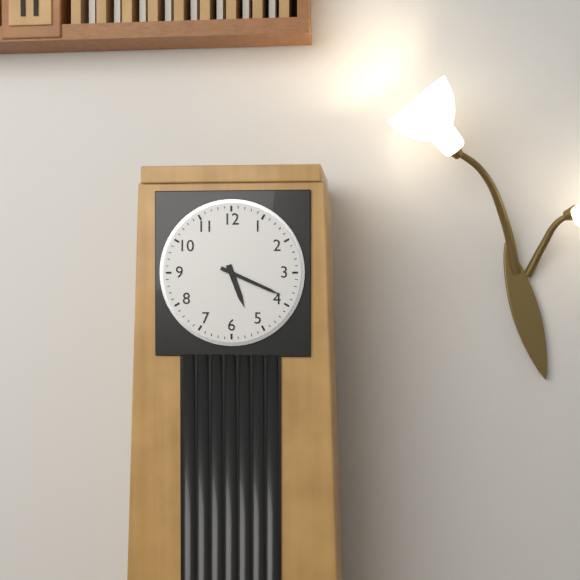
5:19
